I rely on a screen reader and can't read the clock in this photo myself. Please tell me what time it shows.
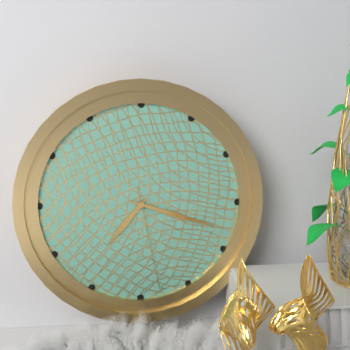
7:18:28
